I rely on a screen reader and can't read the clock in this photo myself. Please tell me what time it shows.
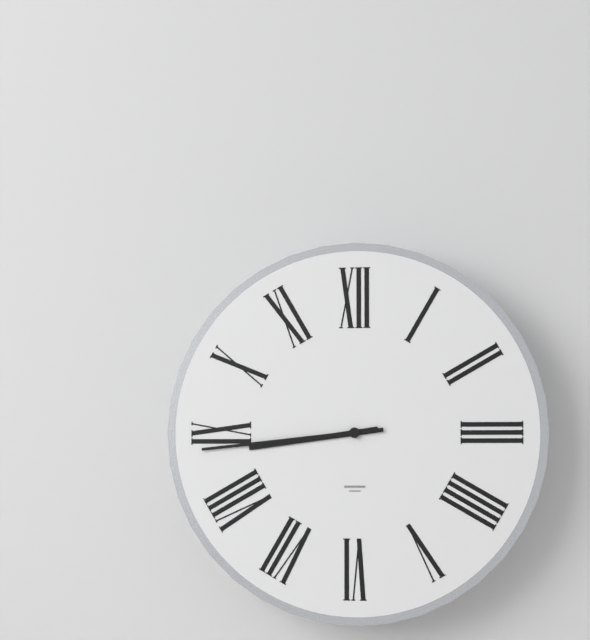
8:44
